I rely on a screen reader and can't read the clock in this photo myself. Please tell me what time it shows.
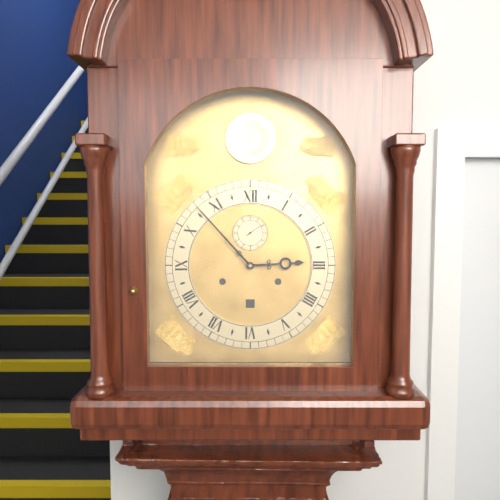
2:53
